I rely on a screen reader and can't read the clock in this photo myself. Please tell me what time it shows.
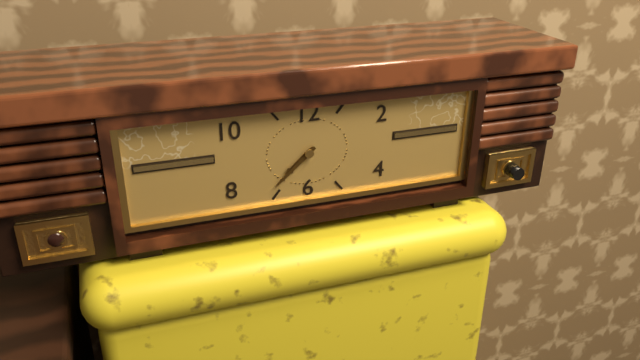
7:38
